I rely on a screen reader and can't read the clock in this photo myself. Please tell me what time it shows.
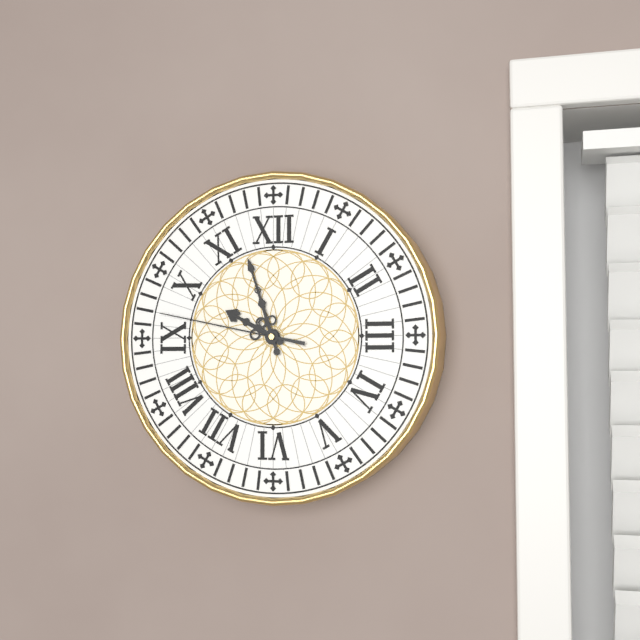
9:57:47
